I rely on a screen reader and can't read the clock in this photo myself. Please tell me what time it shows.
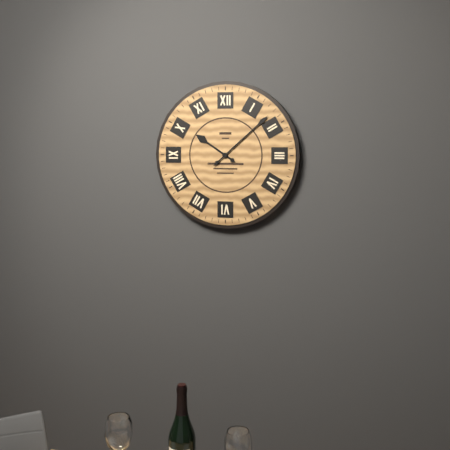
10:08
